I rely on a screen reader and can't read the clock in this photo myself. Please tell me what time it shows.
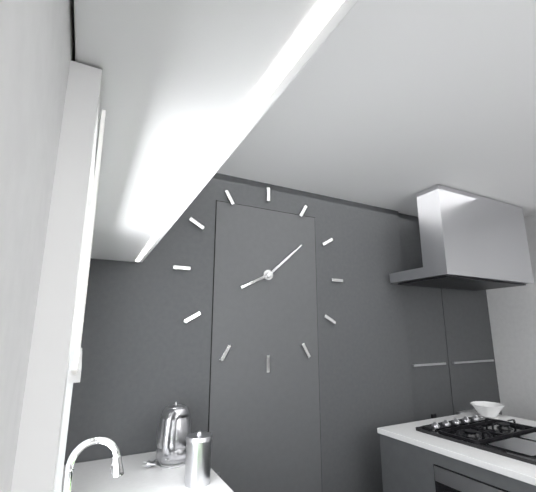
8:08
